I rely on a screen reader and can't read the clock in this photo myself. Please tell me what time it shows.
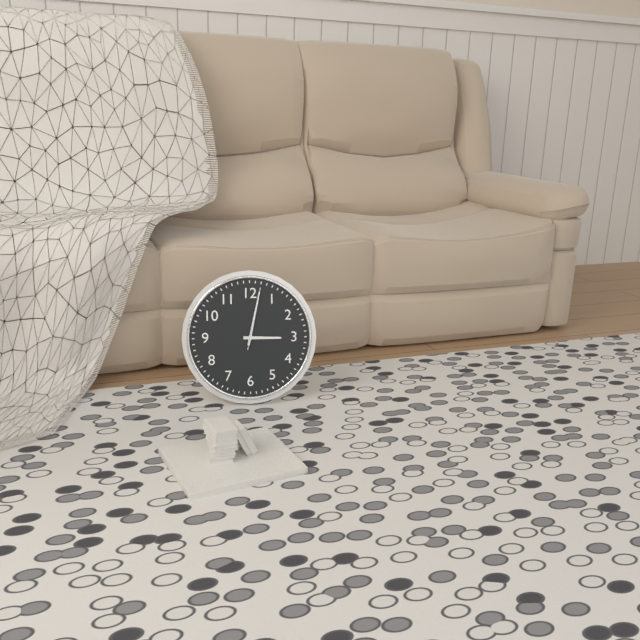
3:02:02
